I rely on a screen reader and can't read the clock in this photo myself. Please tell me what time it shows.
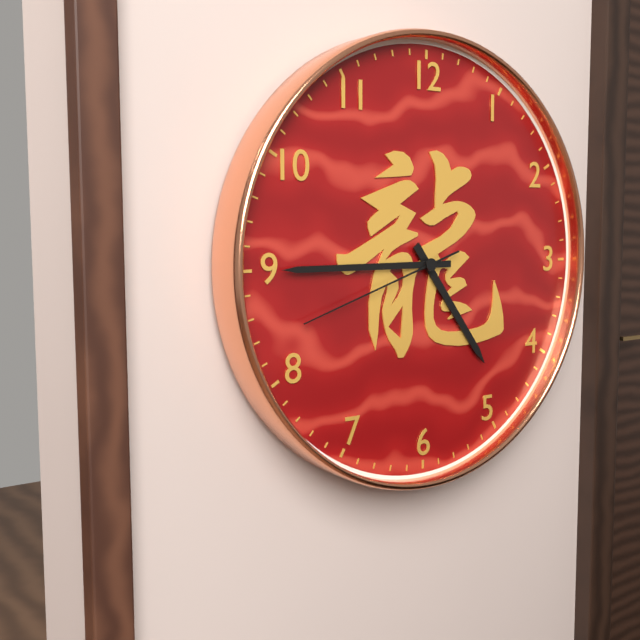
4:45:42
